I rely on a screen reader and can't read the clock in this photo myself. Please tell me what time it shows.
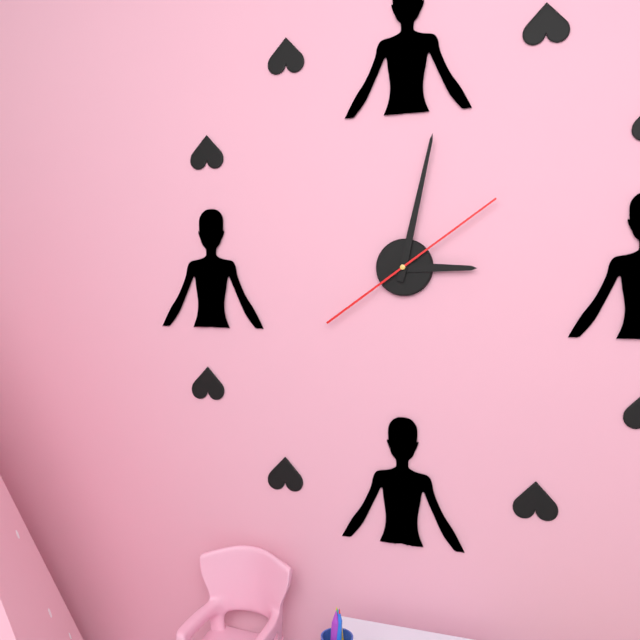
3:02:09
